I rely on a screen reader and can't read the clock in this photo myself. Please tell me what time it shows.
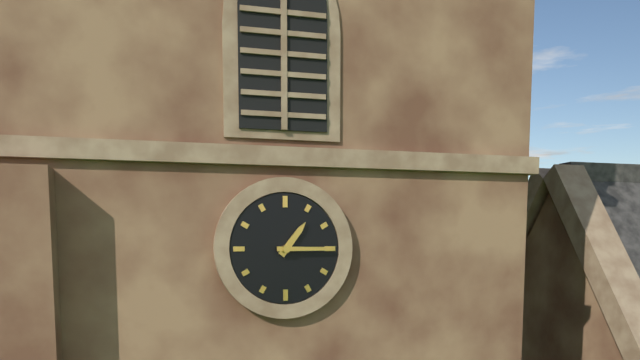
1:15
